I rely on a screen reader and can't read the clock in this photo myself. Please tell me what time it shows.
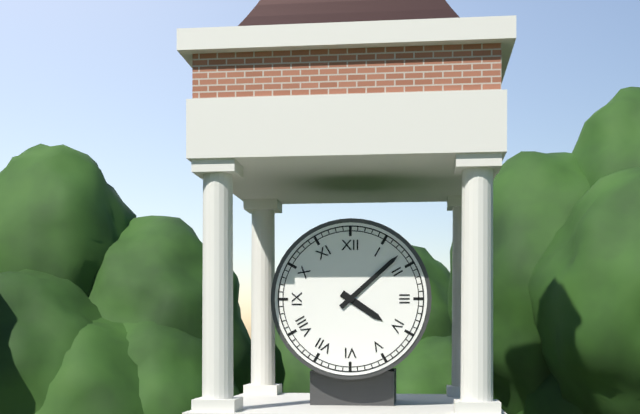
4:08
